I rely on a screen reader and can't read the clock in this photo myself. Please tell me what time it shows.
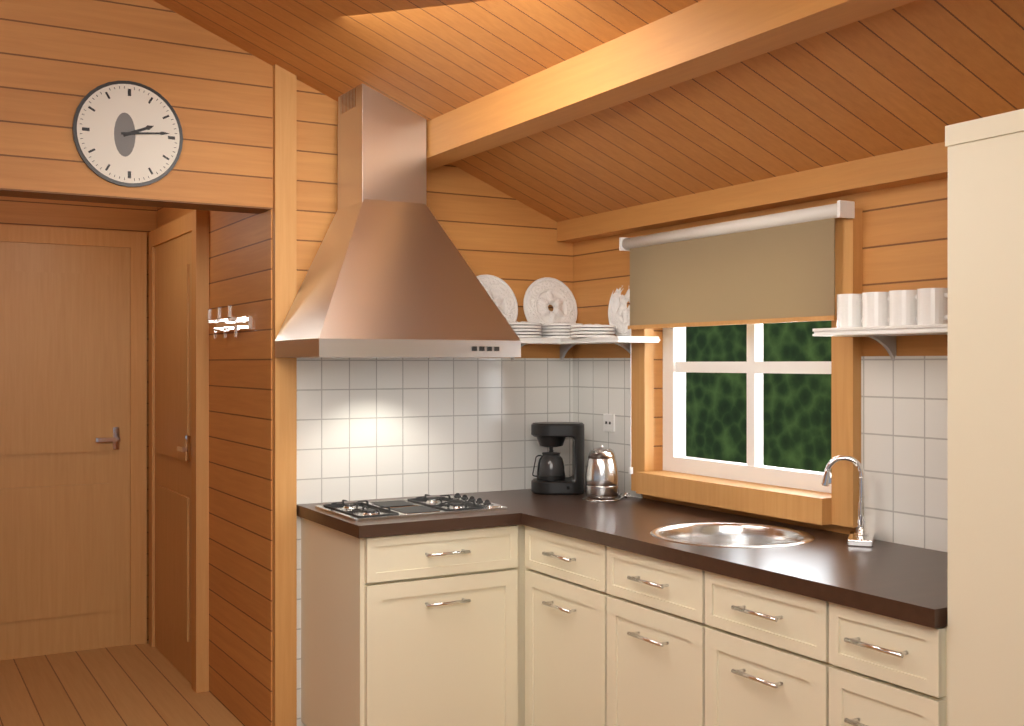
2:14
